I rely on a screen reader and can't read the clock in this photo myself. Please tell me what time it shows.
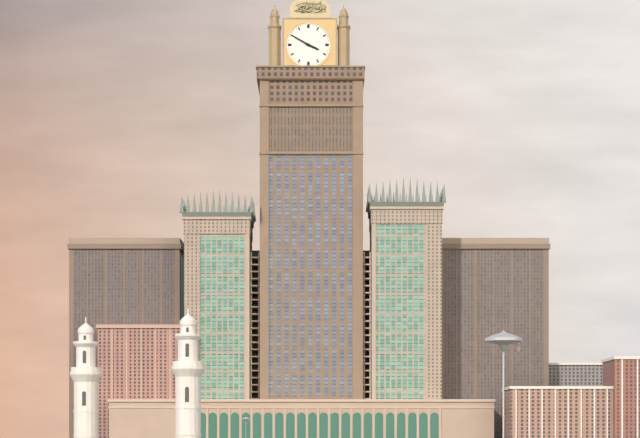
3:50
